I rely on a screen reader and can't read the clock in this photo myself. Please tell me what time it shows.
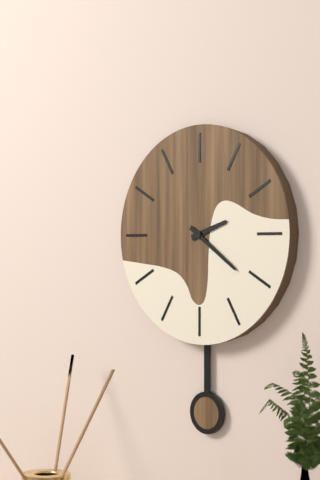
2:21
